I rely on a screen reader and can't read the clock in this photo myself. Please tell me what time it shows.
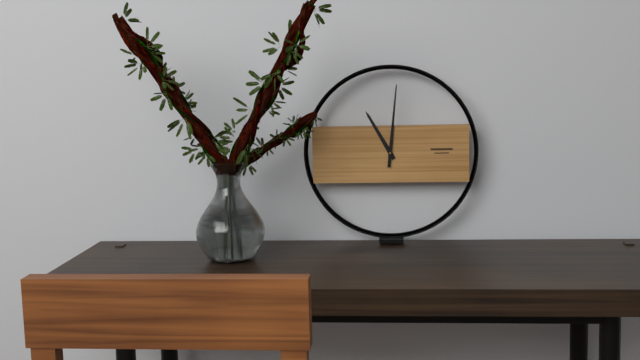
11:01
